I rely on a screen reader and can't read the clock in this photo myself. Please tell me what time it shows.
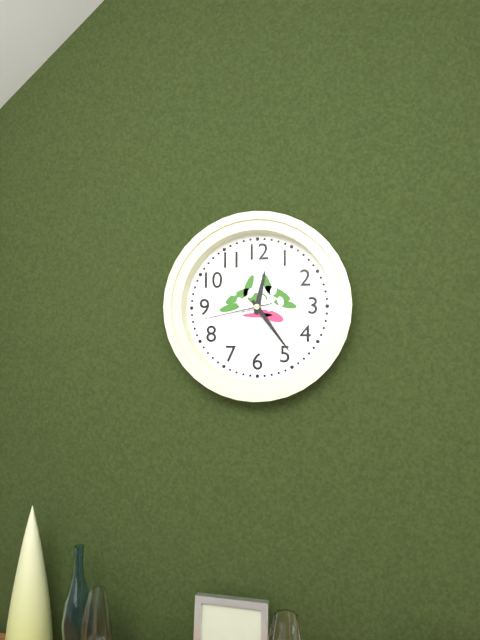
12:24:43
